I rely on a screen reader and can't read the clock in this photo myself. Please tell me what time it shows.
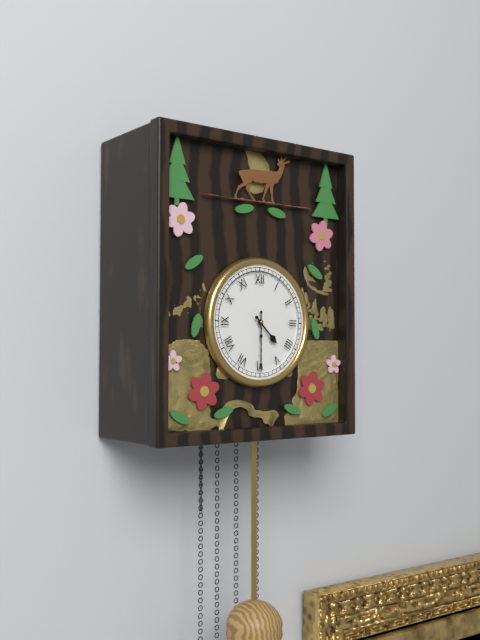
4:30
